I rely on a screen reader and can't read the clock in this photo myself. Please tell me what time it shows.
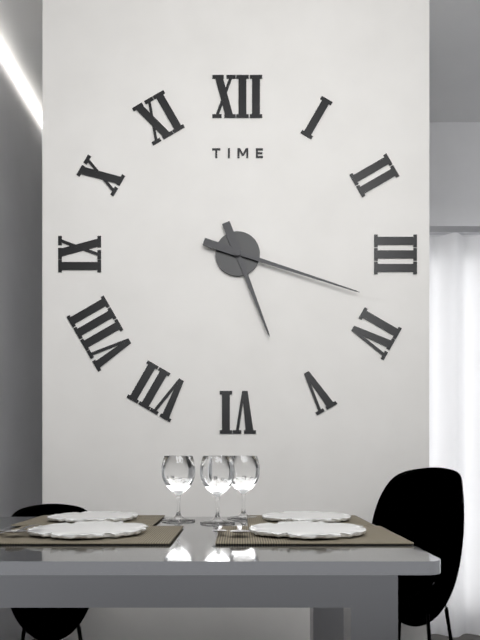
5:18
